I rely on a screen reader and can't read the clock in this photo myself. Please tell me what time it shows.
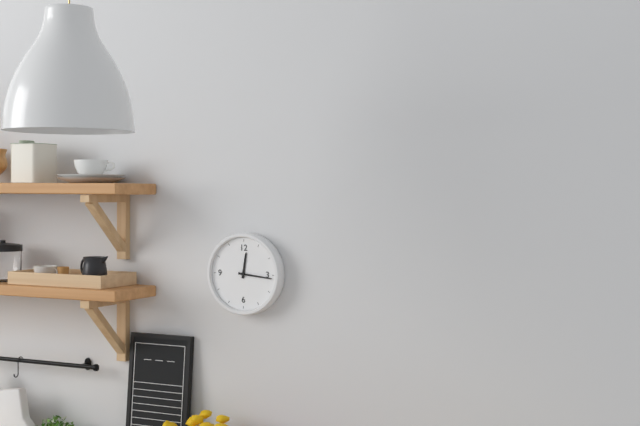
12:16
